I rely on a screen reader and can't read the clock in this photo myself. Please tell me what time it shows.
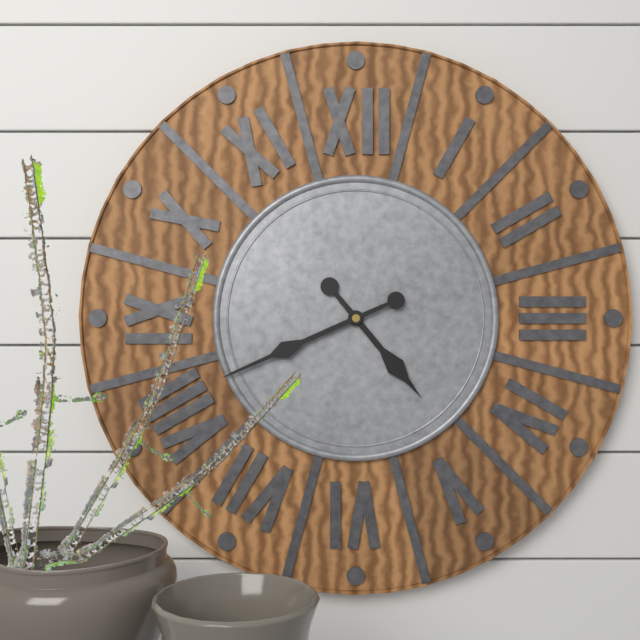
4:41
